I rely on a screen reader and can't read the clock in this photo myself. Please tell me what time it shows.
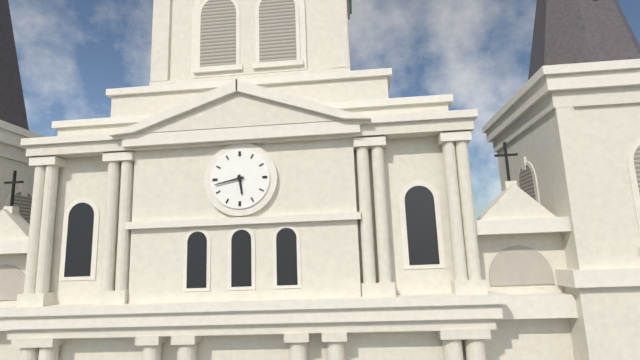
5:43
